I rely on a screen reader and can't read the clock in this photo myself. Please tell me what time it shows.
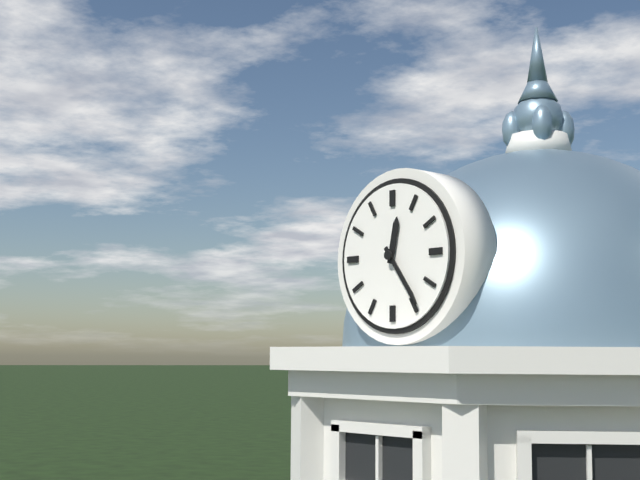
12:24
